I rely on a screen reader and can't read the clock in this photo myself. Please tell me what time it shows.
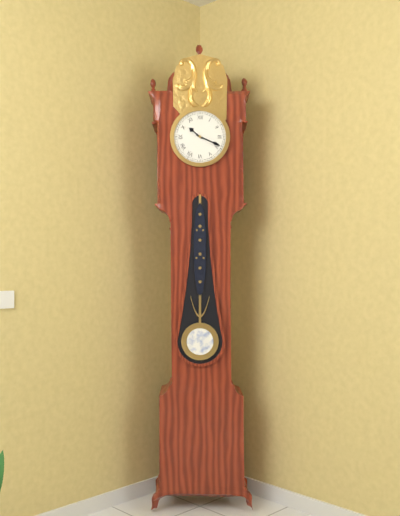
10:19
